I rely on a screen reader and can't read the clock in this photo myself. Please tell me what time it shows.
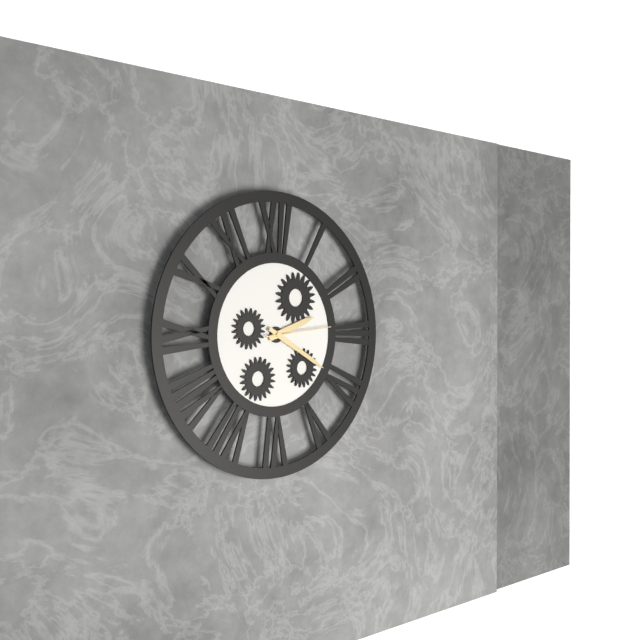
2:20:14
